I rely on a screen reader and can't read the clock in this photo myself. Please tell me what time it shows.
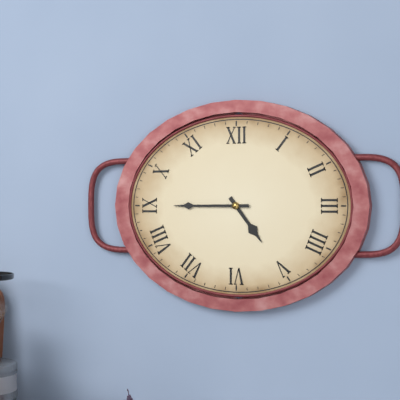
4:45
